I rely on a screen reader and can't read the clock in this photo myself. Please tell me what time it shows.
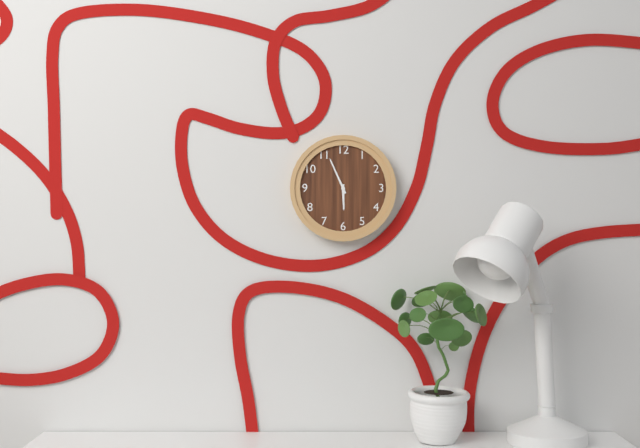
5:56
